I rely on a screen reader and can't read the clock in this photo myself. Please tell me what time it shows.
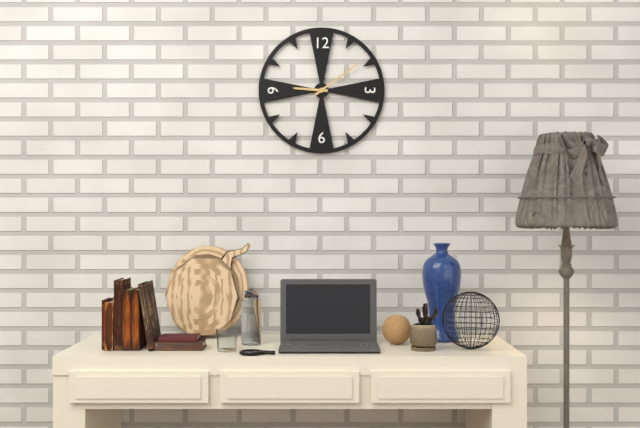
9:09
